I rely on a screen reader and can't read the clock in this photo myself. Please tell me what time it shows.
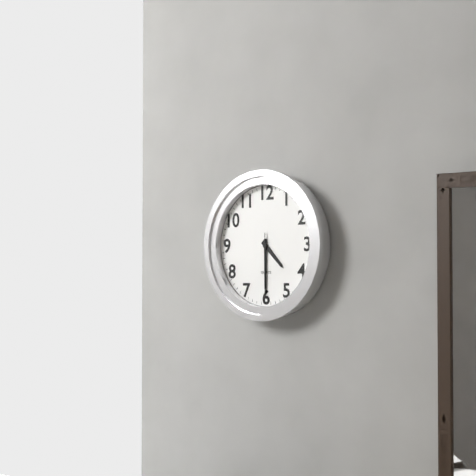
4:30:30
